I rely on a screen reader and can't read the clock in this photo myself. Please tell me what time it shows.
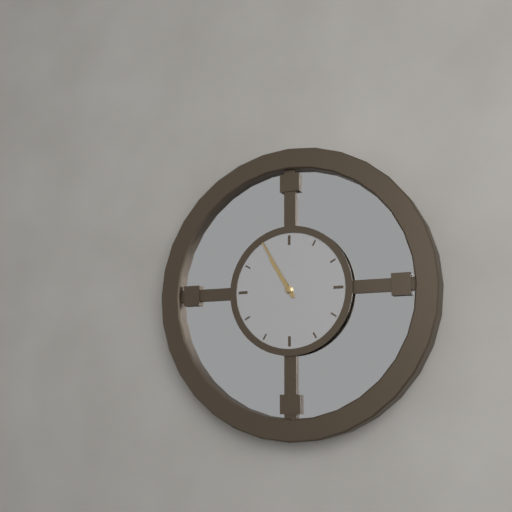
10:55
